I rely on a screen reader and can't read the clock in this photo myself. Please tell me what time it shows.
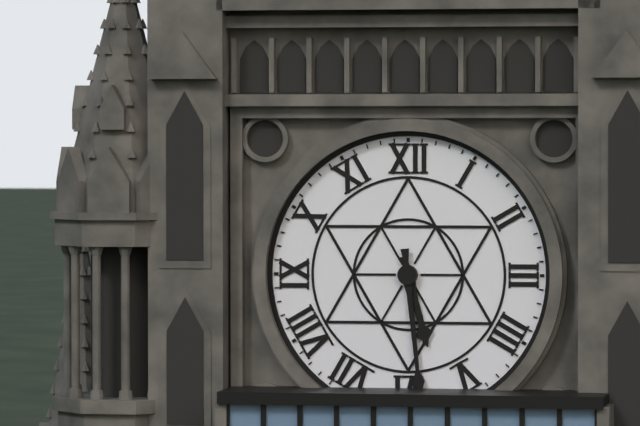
5:29
